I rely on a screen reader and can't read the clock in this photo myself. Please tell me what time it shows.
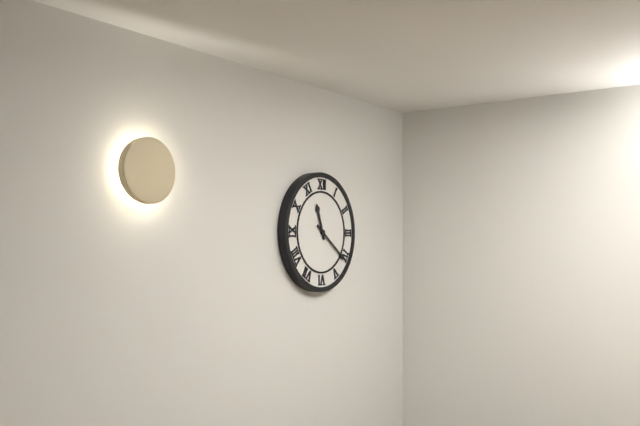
11:21
